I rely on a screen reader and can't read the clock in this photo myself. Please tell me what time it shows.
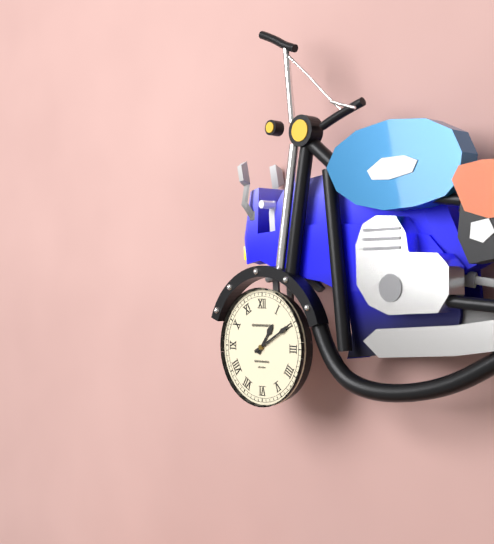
1:10
